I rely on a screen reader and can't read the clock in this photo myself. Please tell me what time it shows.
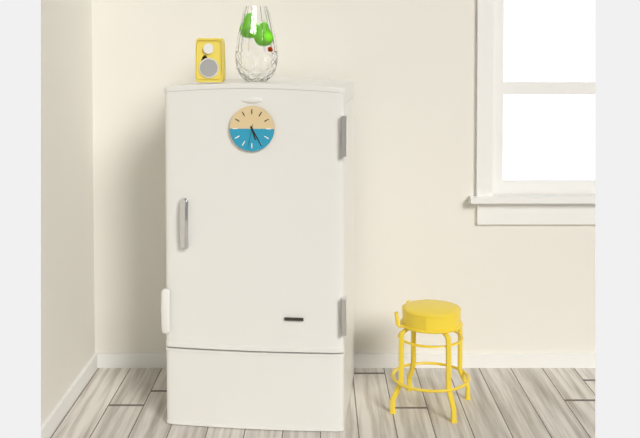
5:25
